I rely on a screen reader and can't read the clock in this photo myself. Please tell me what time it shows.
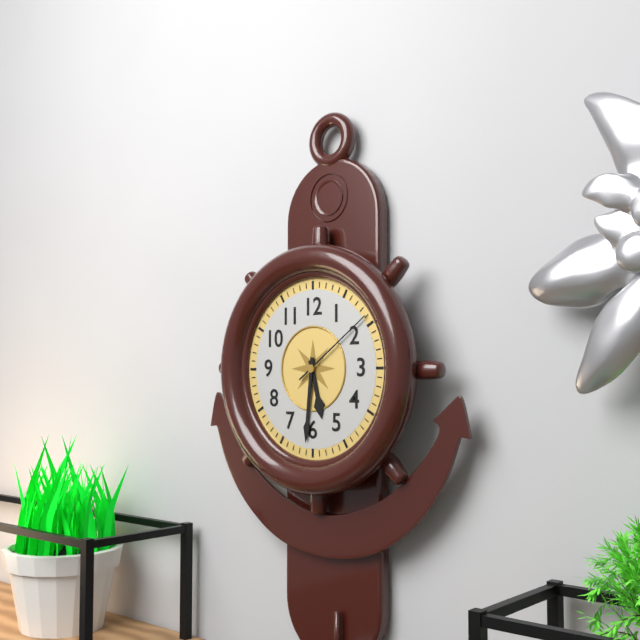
5:31:09
